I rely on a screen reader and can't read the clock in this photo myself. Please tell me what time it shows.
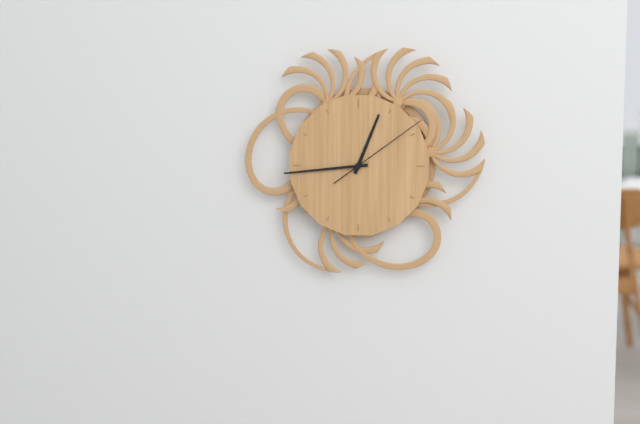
12:44:09
